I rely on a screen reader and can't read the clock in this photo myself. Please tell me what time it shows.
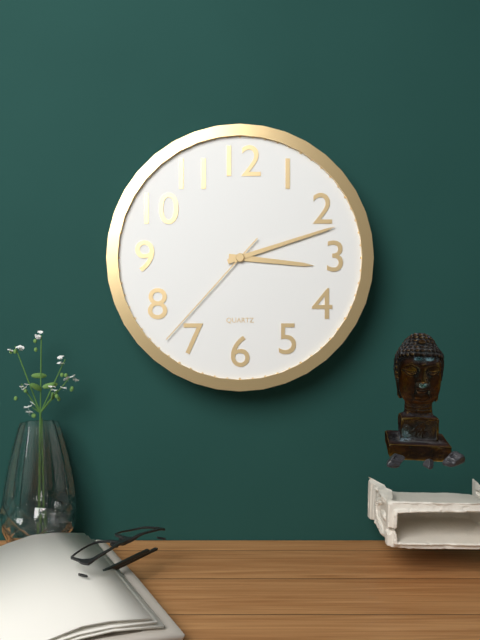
3:12:37
